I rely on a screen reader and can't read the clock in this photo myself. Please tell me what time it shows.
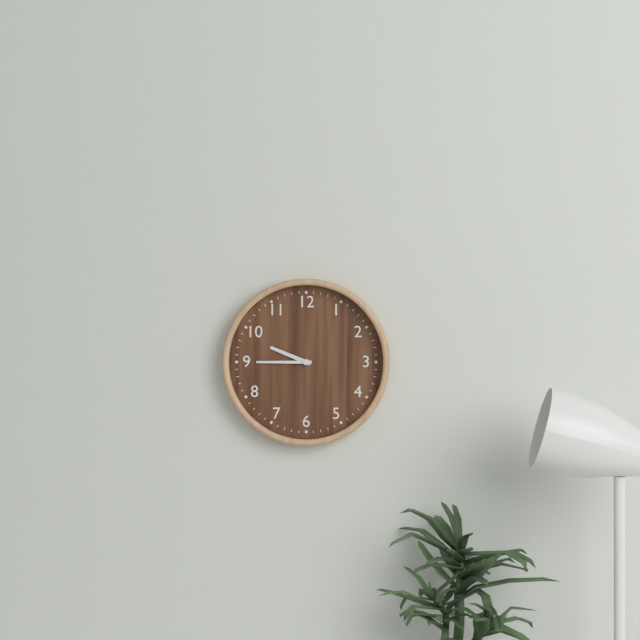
9:45
